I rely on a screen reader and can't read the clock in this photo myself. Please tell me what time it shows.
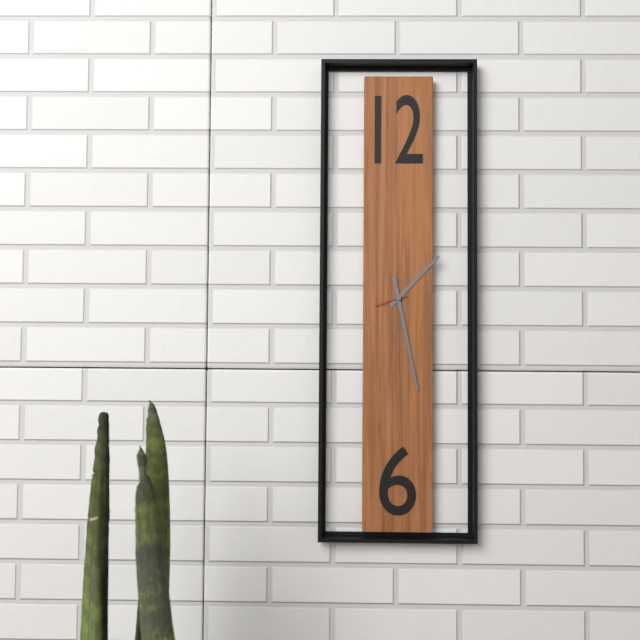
1:28
